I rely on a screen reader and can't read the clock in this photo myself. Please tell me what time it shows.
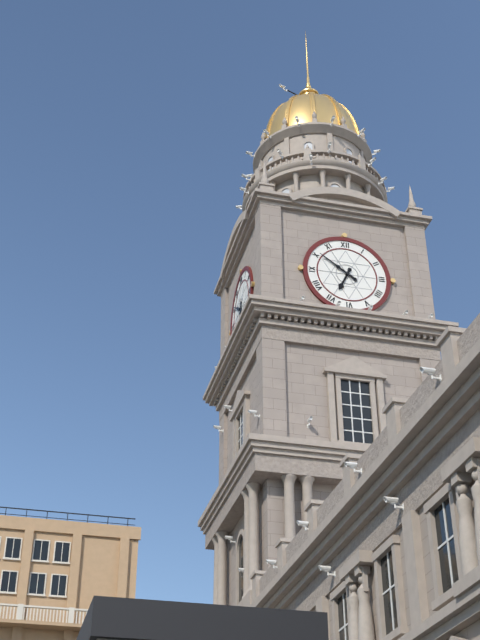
6:51
